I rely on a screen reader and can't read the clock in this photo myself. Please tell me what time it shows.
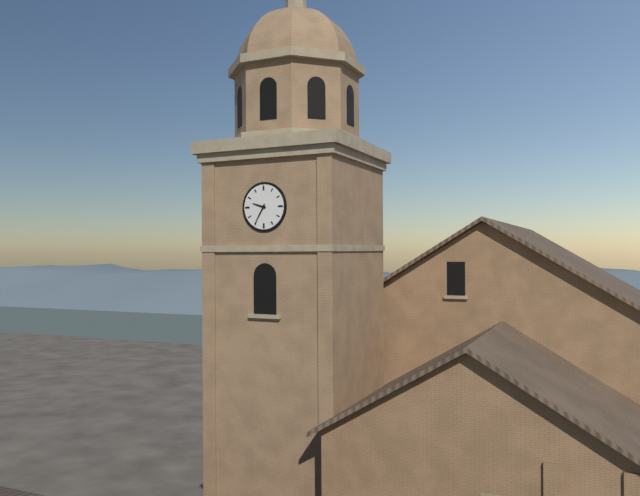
9:35
